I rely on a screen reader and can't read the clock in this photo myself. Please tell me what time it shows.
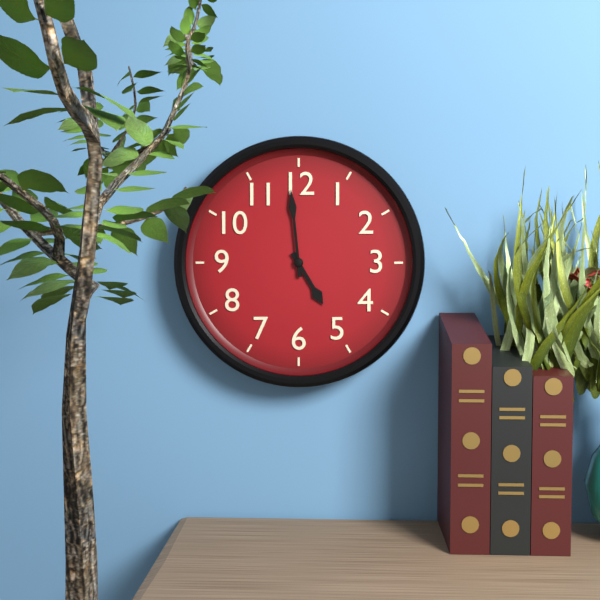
4:59
